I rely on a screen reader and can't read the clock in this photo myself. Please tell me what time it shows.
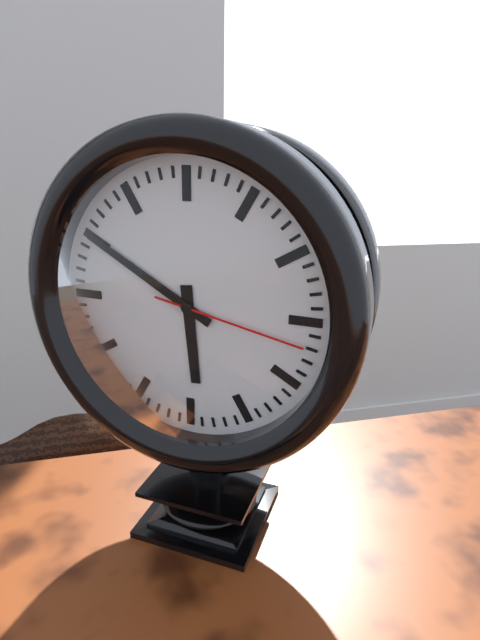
5:50:17
